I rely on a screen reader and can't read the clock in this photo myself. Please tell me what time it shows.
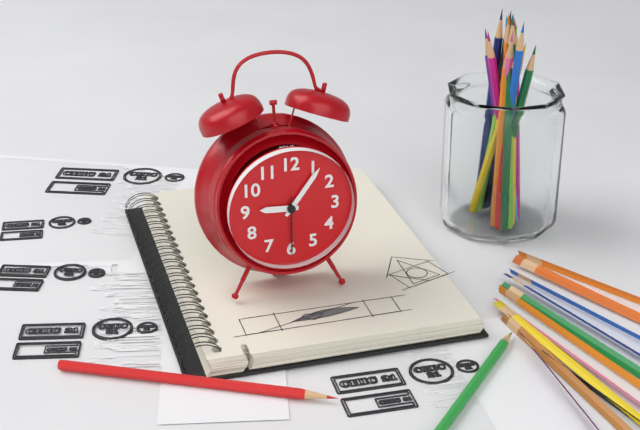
9:06:30
